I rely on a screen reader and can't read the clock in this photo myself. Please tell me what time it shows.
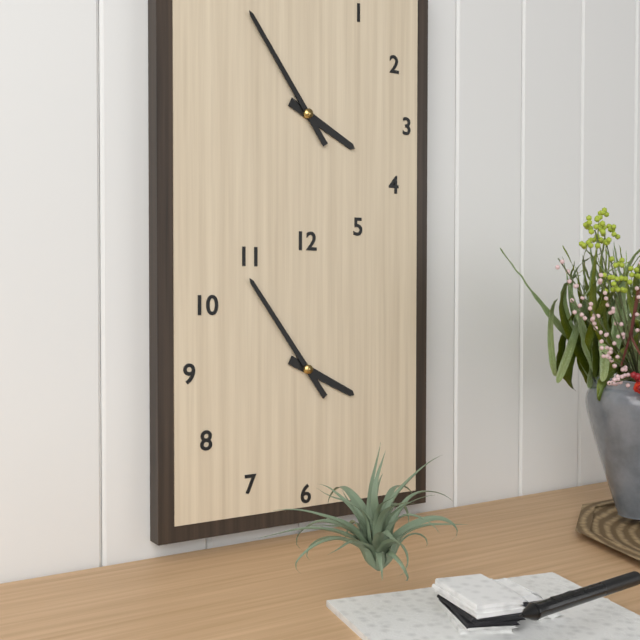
3:54
